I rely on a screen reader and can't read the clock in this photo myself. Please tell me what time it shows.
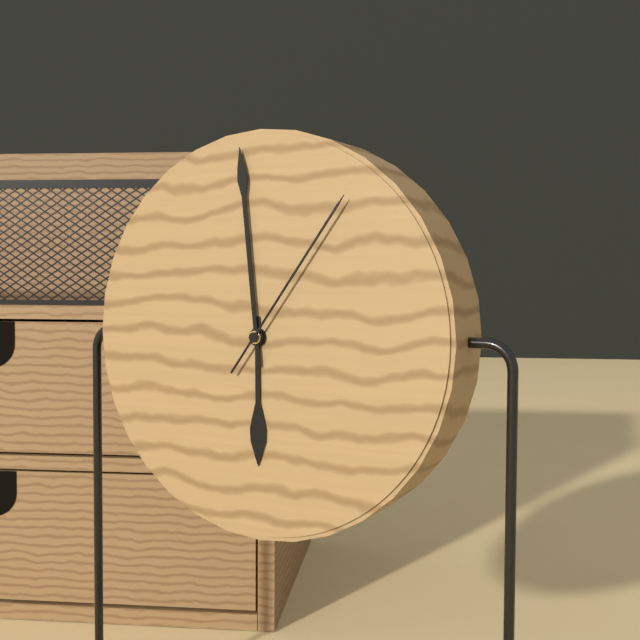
5:59:06
